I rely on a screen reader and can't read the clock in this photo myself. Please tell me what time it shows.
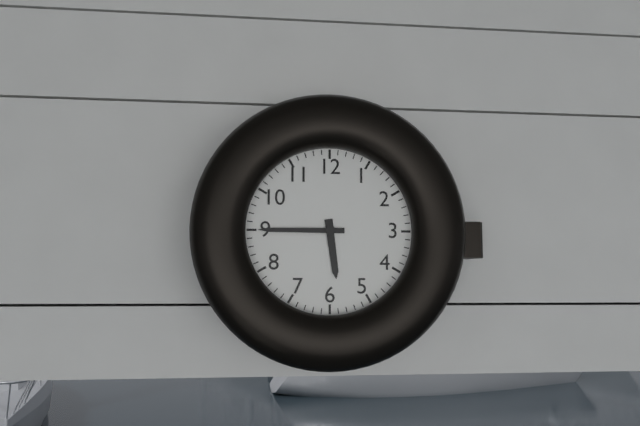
5:45
